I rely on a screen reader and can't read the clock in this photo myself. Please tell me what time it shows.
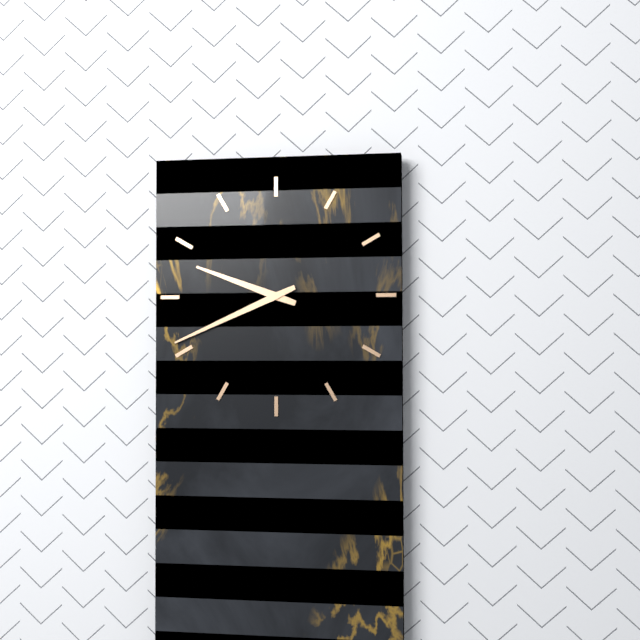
9:41
